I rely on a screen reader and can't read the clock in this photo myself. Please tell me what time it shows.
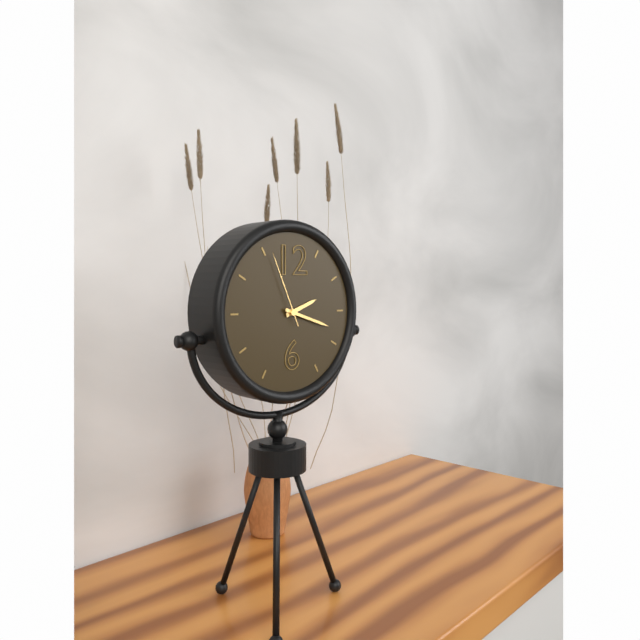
2:18:56
